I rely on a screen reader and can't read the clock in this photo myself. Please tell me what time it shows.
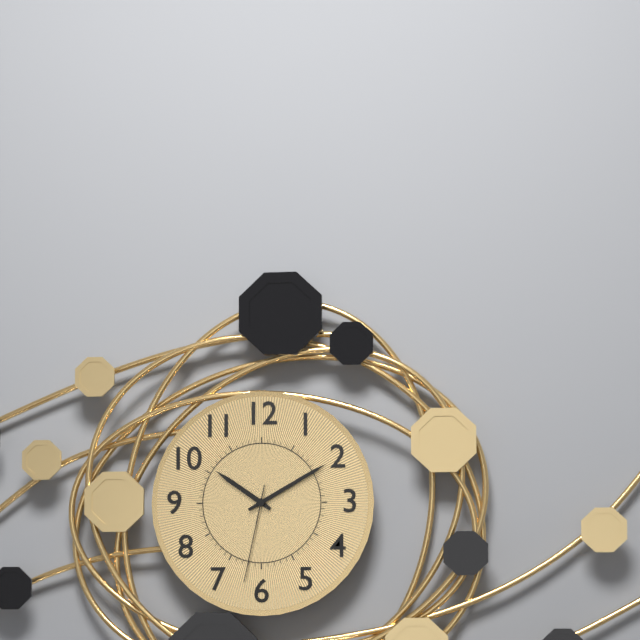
10:10:32
